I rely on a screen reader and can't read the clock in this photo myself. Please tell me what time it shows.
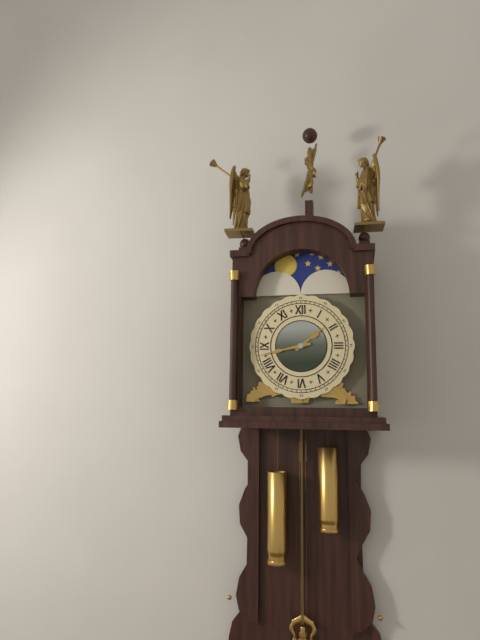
1:43
